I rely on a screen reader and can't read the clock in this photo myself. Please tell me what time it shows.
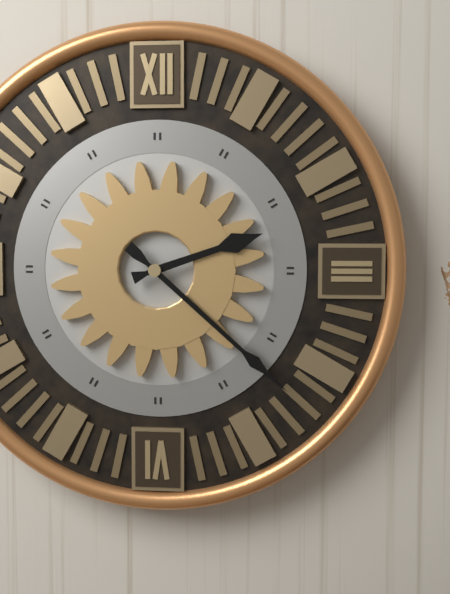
2:22
